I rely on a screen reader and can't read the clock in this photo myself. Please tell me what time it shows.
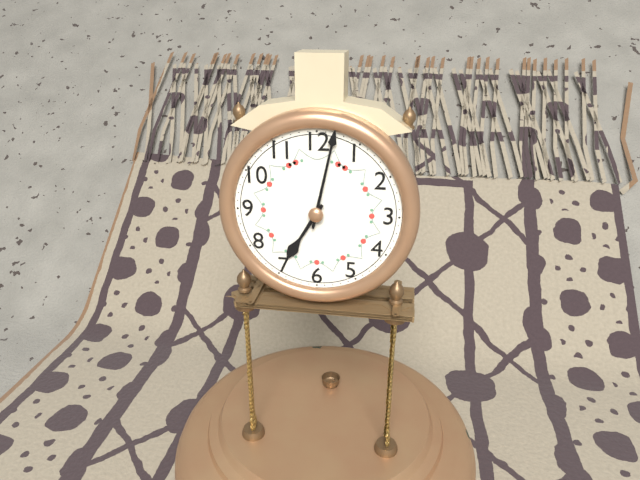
7:02
